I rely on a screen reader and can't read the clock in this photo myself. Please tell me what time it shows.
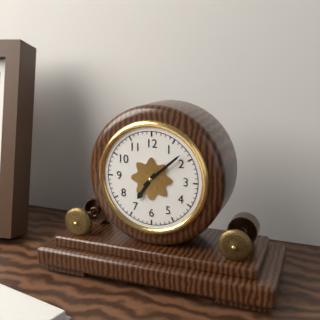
7:08
